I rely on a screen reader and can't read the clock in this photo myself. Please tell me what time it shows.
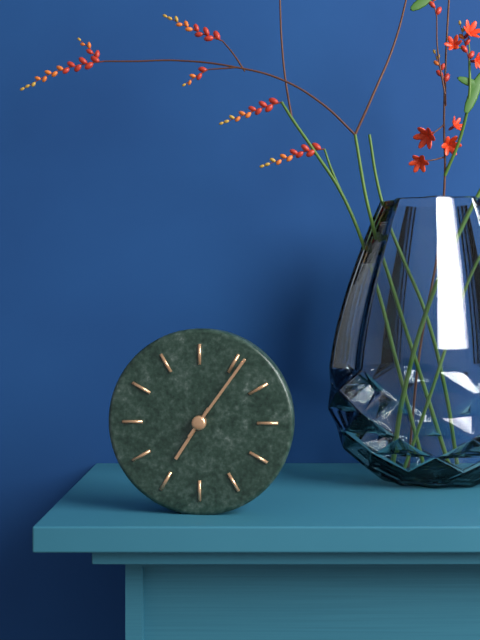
7:06
